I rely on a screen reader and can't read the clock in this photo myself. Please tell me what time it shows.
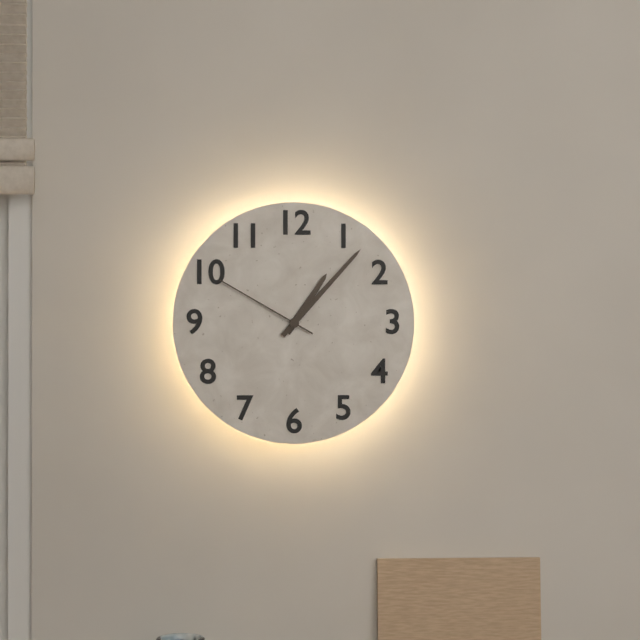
1:07:50
